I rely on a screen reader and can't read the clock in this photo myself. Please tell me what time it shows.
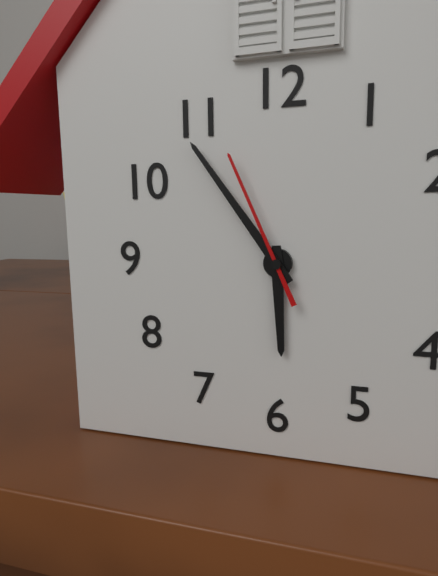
5:54:56
